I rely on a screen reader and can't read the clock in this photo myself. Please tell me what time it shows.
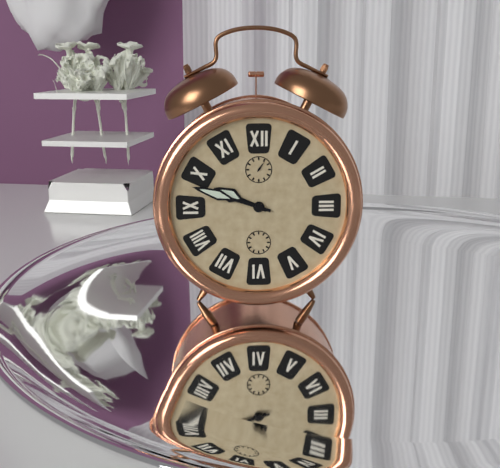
9:48
